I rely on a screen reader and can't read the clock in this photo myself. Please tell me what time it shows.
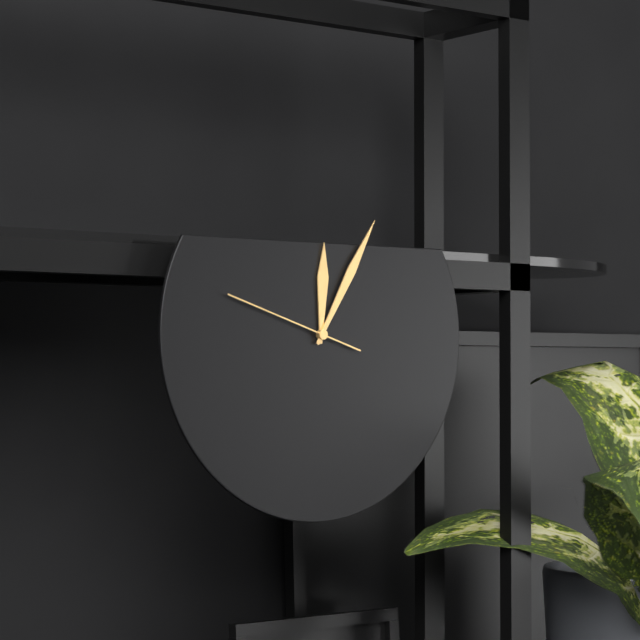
12:05:48
